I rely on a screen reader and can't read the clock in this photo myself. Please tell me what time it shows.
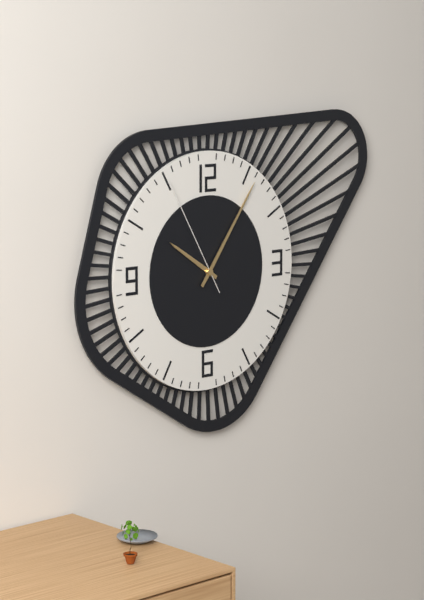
10:06:55
